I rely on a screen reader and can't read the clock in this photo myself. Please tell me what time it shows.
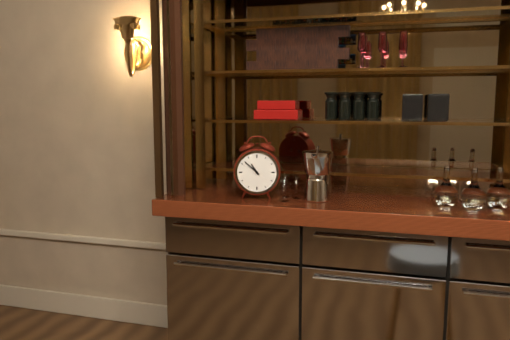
10:52
